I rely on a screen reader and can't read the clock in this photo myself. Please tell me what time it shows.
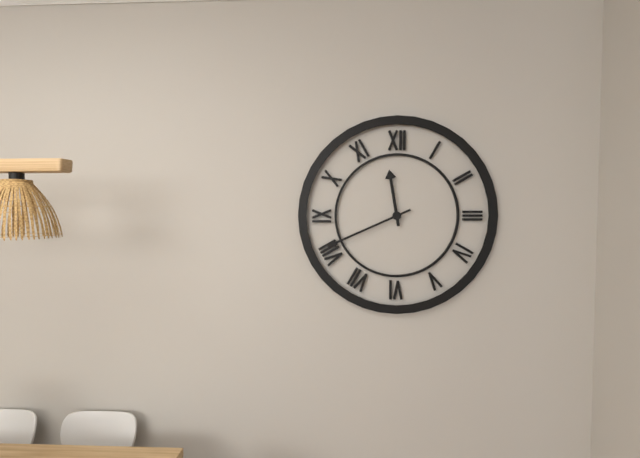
11:41
